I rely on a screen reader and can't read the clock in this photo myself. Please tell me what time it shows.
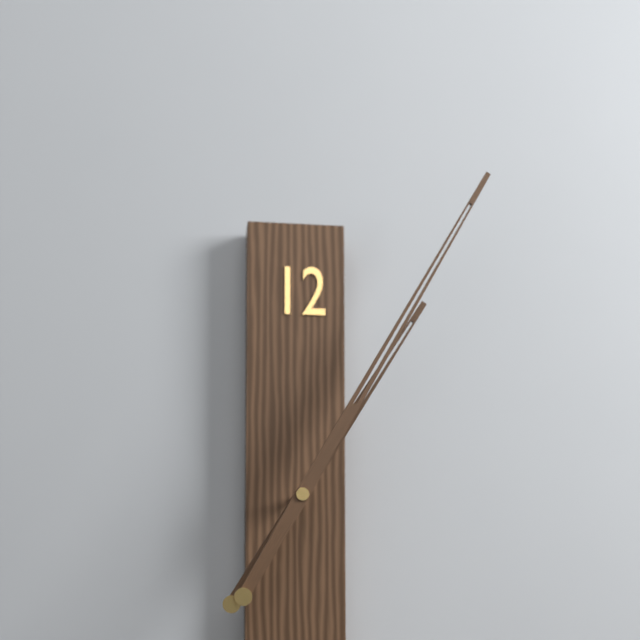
1:05
